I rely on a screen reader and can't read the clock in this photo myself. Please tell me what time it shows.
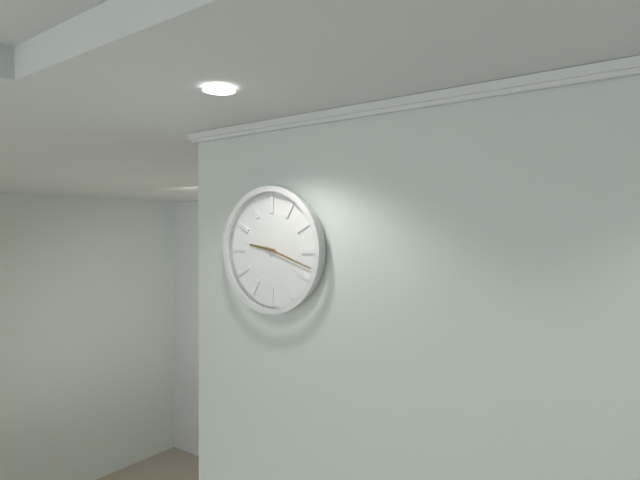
9:18
